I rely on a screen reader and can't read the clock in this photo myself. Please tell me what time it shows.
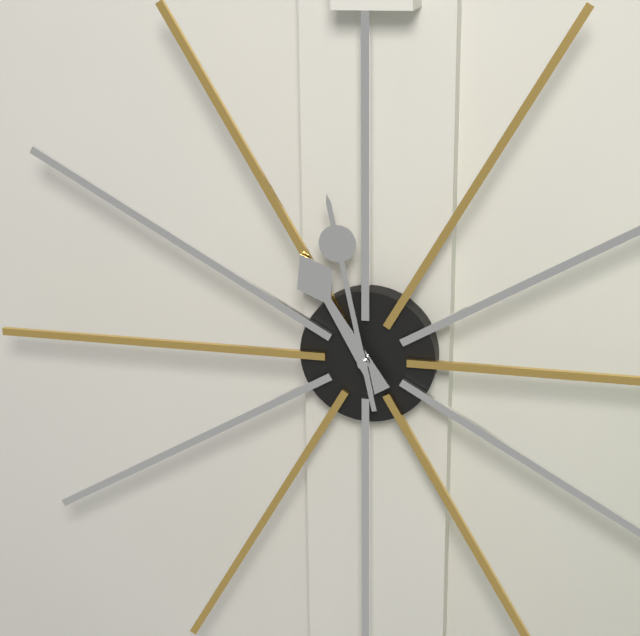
10:58
